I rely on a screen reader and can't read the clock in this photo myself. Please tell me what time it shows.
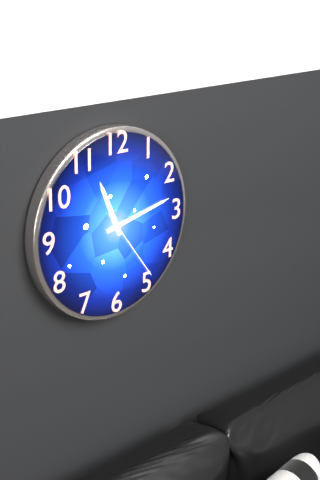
11:13:24
